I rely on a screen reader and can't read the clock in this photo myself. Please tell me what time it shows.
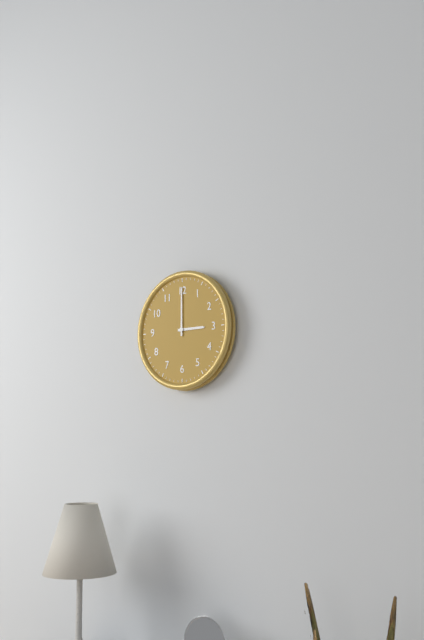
3:00
